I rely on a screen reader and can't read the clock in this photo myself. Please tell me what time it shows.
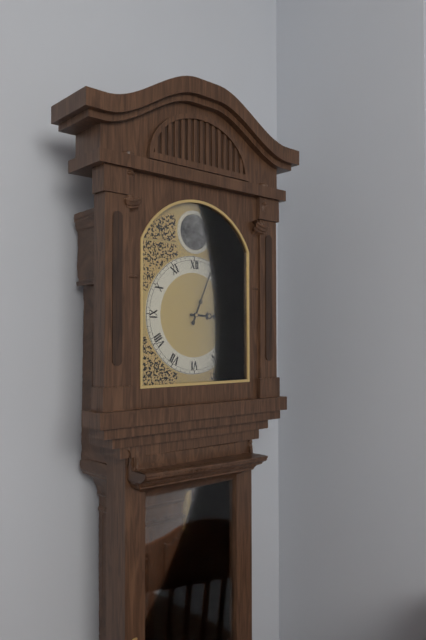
3:04
